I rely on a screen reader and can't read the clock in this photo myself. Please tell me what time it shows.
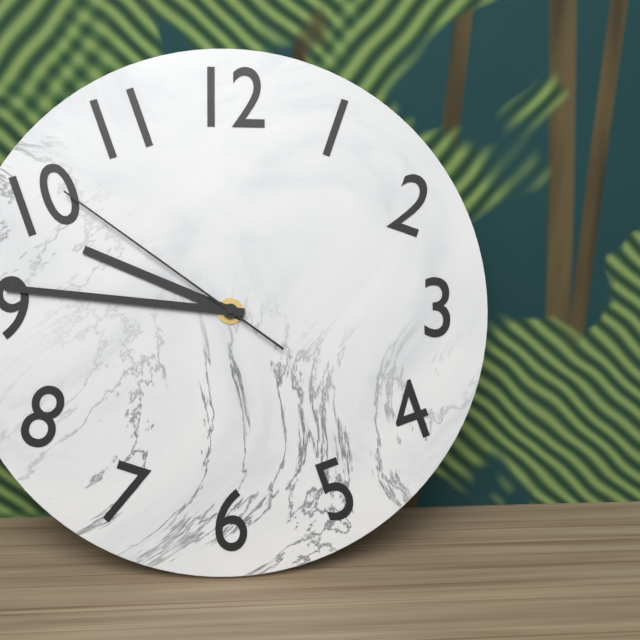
9:46:51
